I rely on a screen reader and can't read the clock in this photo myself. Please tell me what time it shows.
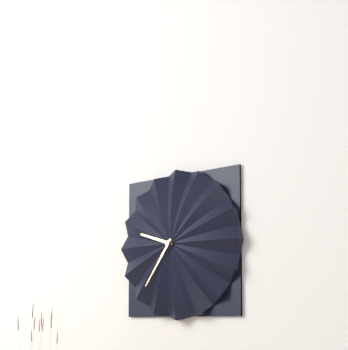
9:36
